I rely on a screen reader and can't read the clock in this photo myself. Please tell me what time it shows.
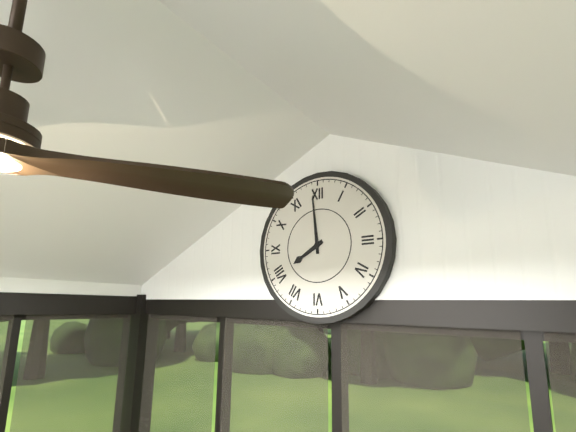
7:59
